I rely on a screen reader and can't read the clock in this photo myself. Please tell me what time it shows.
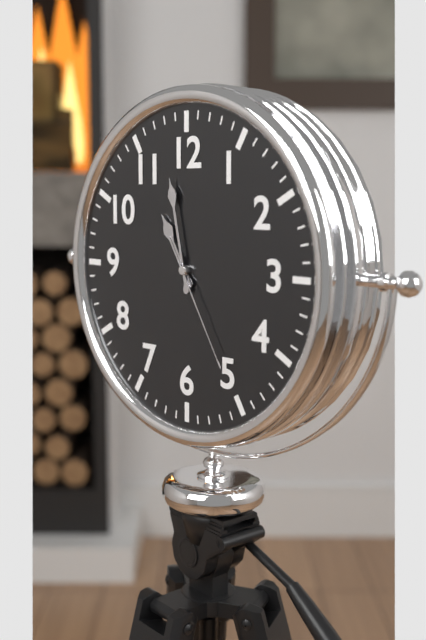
10:58:25
